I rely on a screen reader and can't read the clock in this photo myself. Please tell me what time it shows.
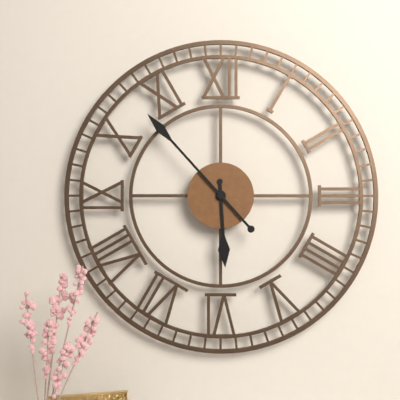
5:53
